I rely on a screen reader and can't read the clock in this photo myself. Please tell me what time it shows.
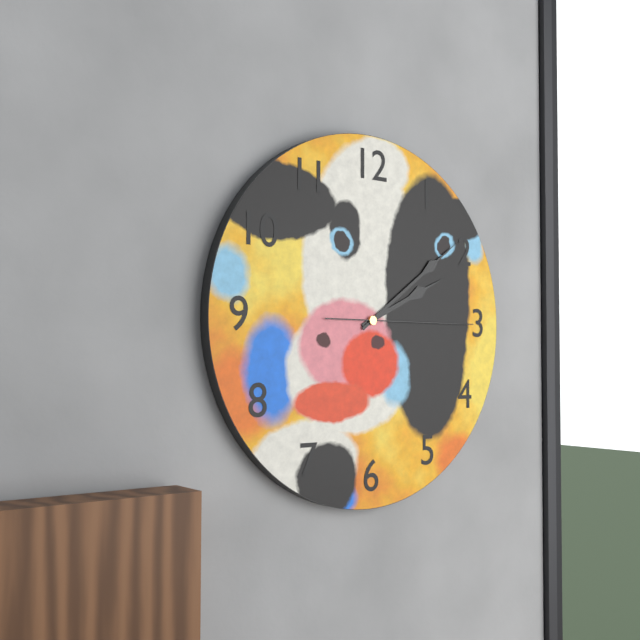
2:09:15
